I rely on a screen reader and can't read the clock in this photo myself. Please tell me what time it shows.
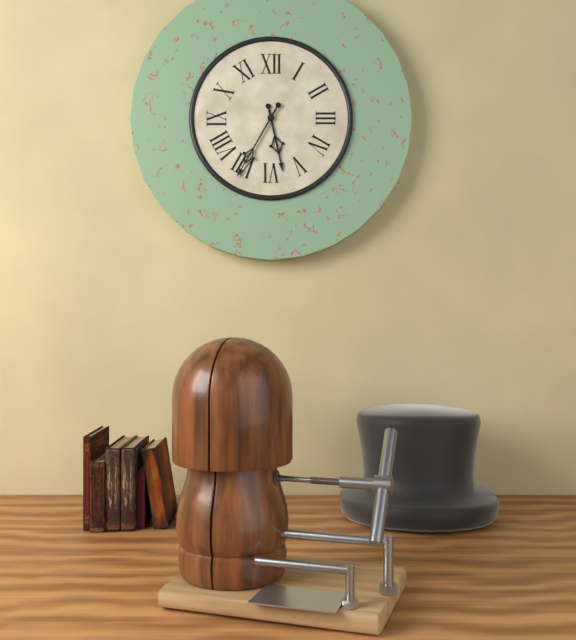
5:35
